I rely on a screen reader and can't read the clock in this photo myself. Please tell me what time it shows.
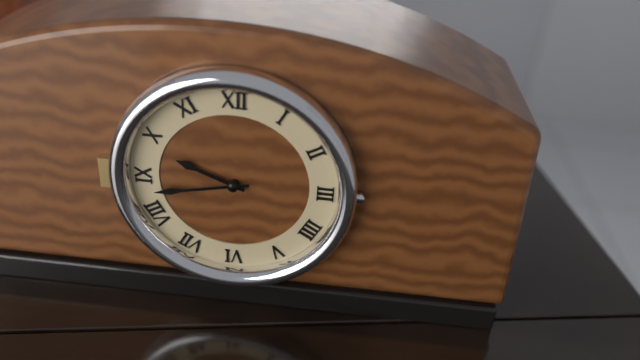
9:43
